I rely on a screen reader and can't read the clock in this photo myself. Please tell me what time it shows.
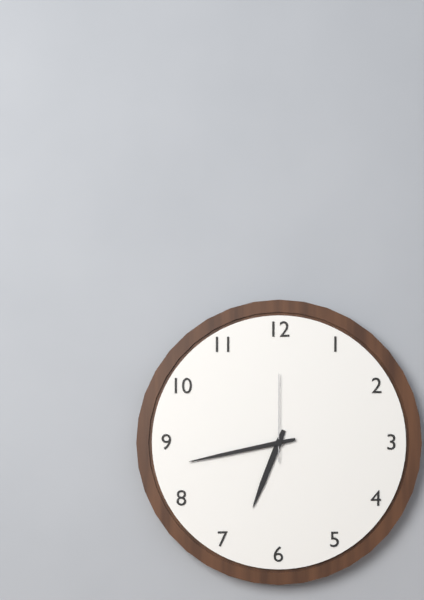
6:43:00
